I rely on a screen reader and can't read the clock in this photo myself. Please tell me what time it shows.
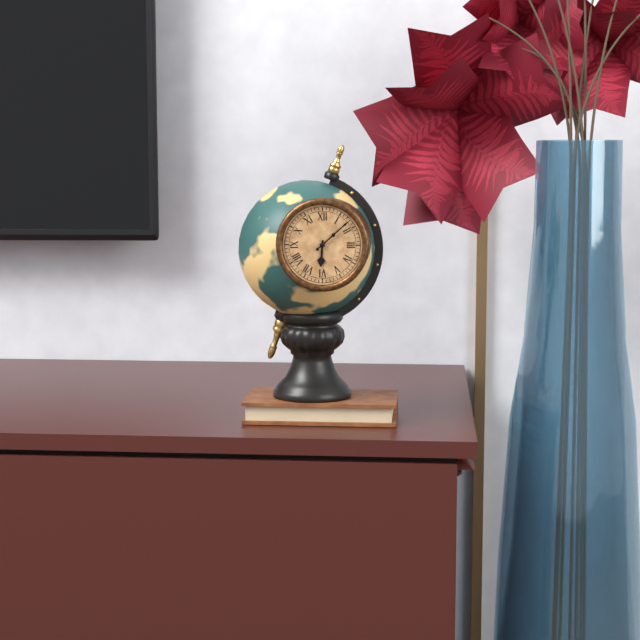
6:08
